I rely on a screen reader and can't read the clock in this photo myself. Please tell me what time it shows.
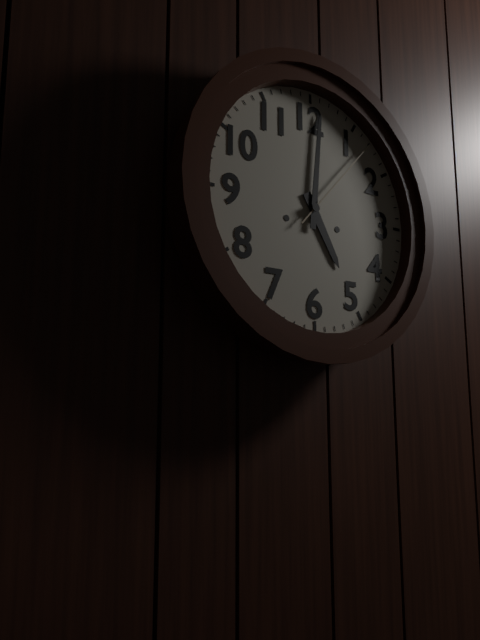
5:01:07
